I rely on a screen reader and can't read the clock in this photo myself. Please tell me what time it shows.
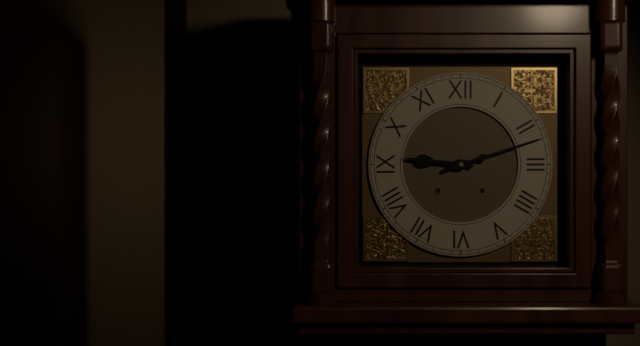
9:12
